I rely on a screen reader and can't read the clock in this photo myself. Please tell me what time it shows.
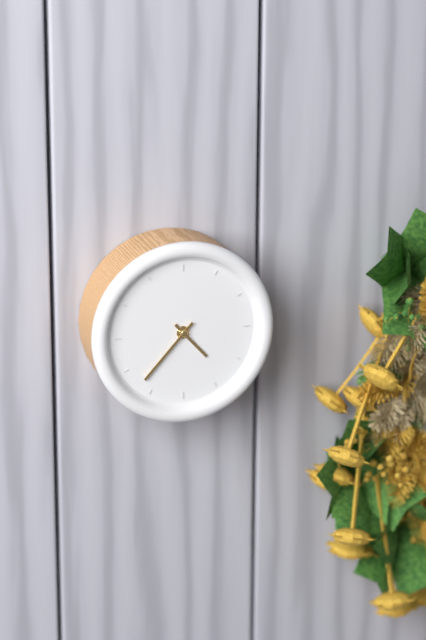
4:37
